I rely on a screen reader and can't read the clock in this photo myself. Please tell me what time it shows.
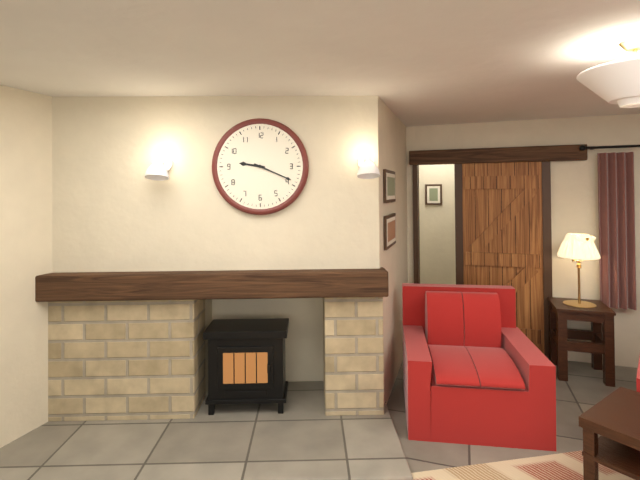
9:19
